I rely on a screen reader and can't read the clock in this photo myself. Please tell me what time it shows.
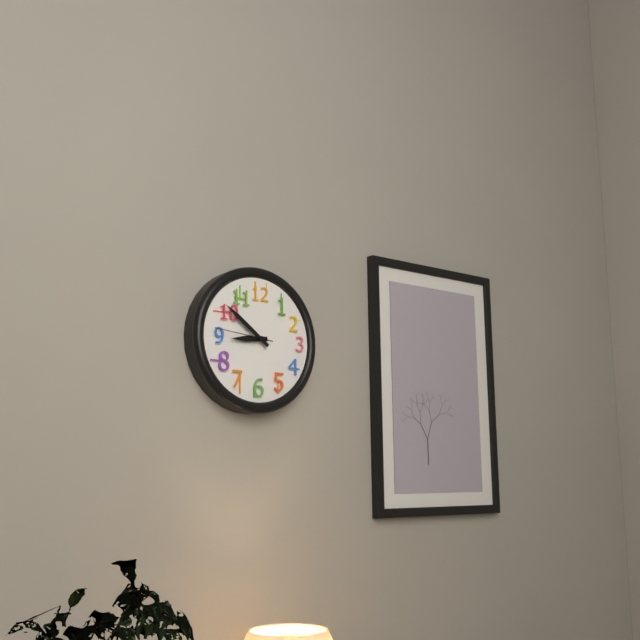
8:51:46
